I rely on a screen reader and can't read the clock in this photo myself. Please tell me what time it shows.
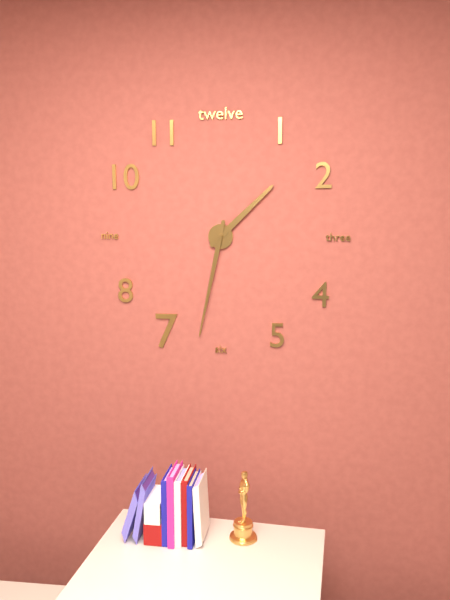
1:32
